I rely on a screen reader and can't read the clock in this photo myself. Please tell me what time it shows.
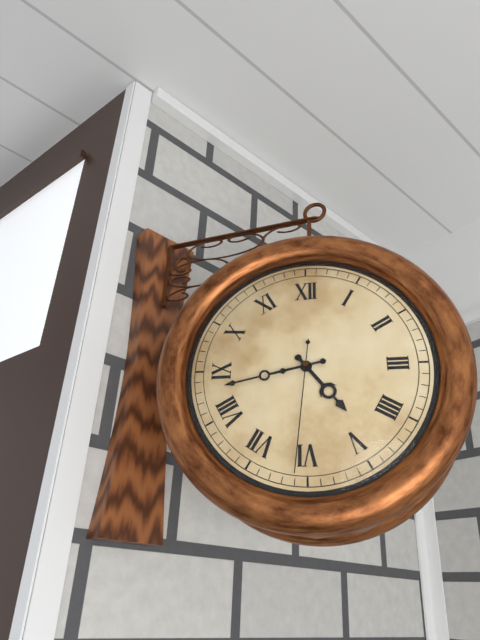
4:43:31
